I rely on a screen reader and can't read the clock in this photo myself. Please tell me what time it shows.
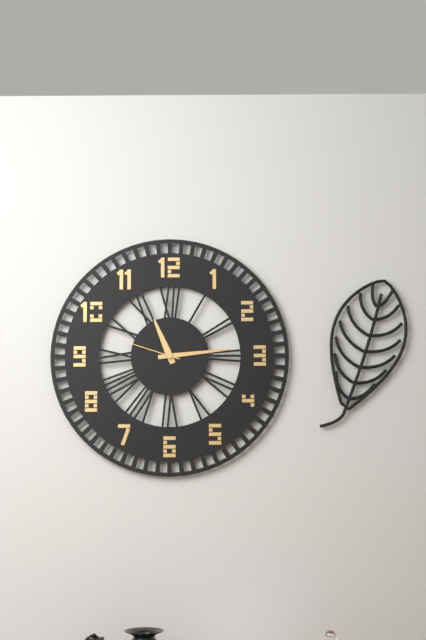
11:14:48
